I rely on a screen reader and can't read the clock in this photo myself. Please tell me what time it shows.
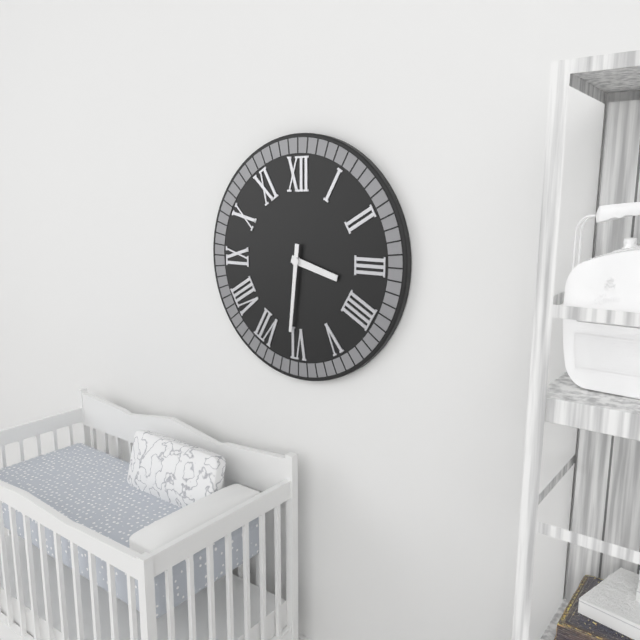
3:31
